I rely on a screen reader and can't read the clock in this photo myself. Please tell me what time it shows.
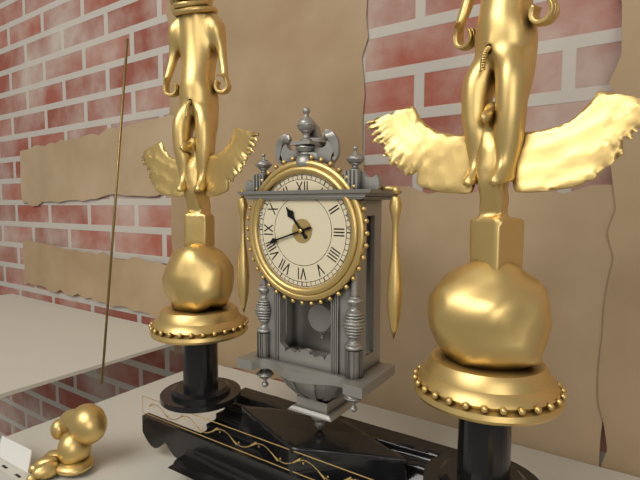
10:42
